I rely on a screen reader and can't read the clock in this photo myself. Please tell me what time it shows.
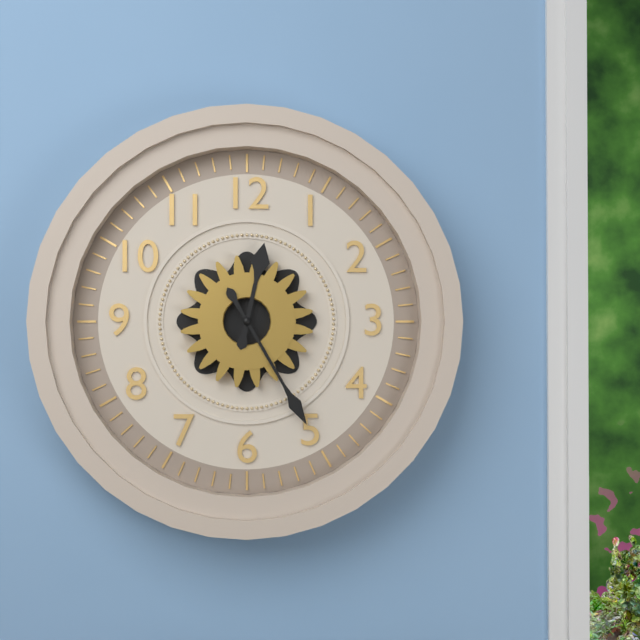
12:25
